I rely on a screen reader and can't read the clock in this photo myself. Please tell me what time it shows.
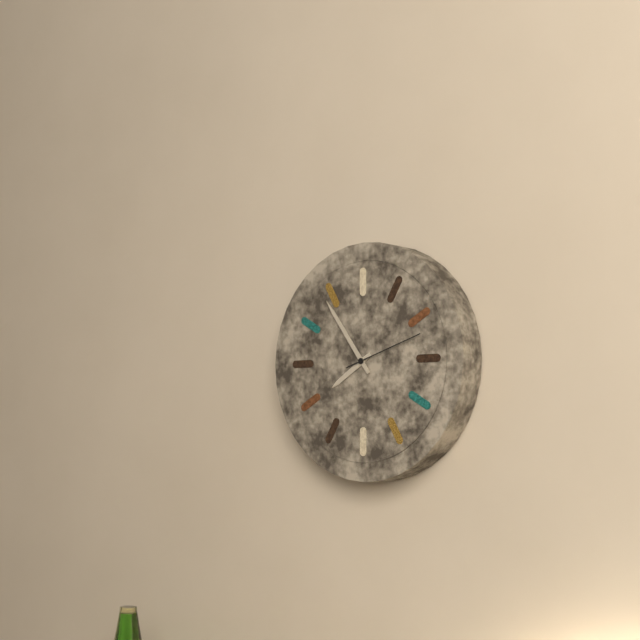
7:54:12
